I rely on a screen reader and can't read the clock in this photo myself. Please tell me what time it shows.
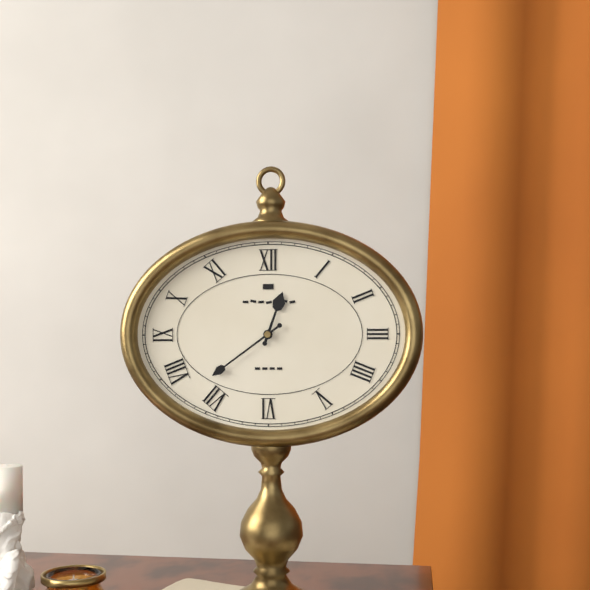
12:39
